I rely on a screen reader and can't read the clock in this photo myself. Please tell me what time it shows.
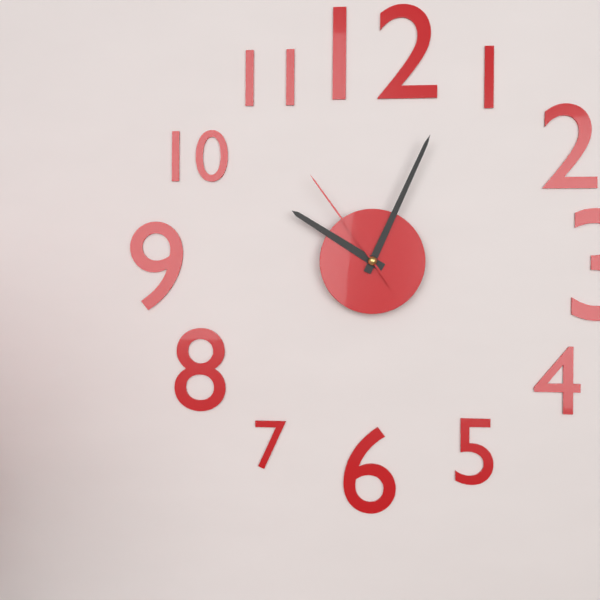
10:04:54
